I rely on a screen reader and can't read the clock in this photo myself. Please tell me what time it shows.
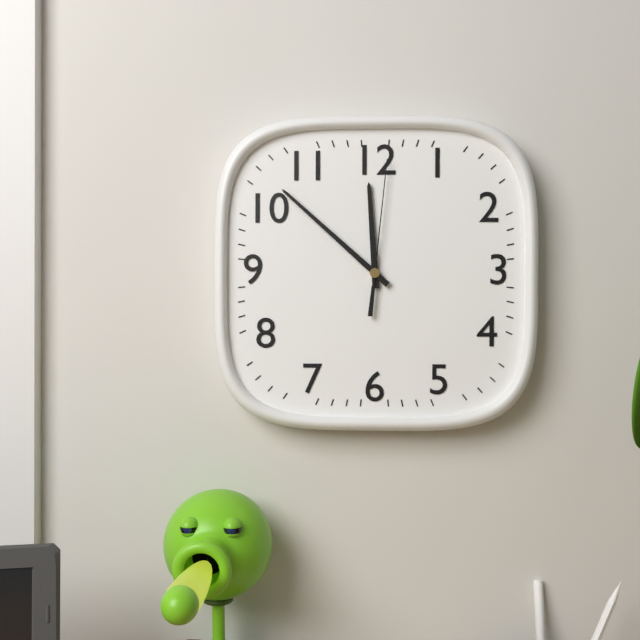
11:52:01
